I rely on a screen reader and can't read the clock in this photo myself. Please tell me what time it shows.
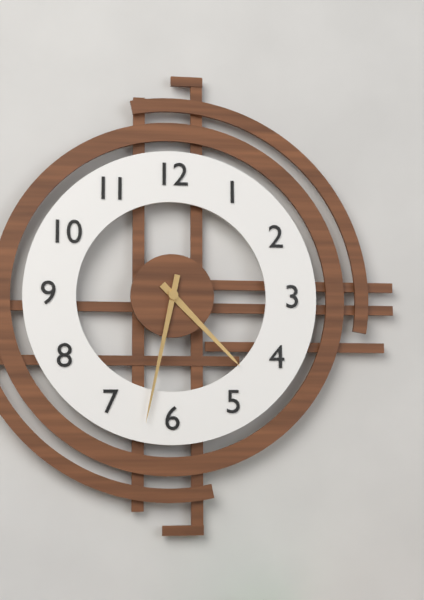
4:32
